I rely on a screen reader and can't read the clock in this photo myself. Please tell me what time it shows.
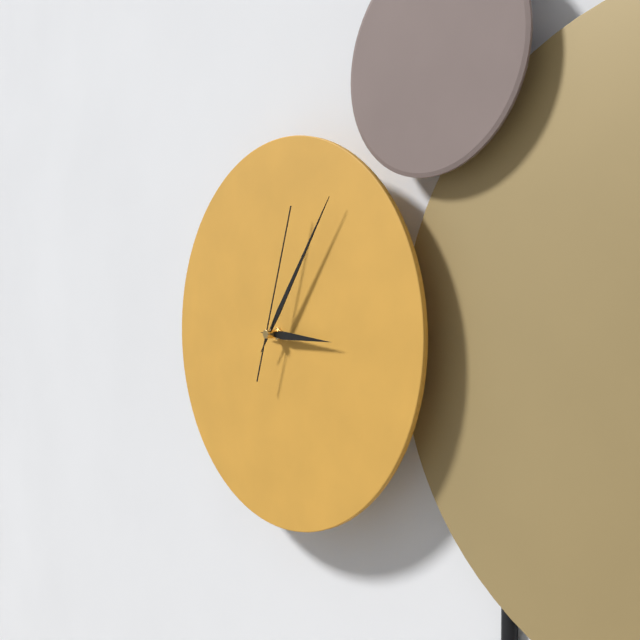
3:06:03
